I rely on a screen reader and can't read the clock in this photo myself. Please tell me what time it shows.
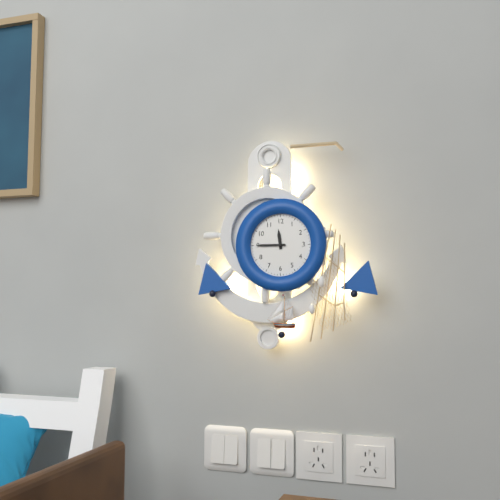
11:45
